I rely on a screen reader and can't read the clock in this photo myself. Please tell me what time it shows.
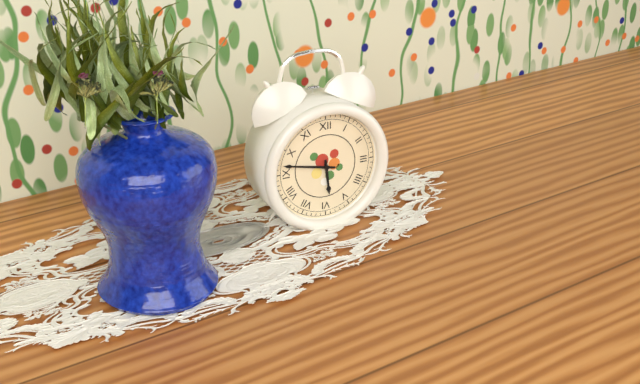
5:47
